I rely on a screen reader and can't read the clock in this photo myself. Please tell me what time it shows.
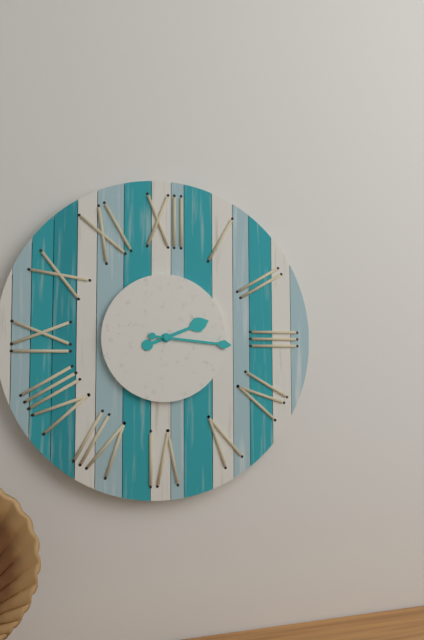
2:16
